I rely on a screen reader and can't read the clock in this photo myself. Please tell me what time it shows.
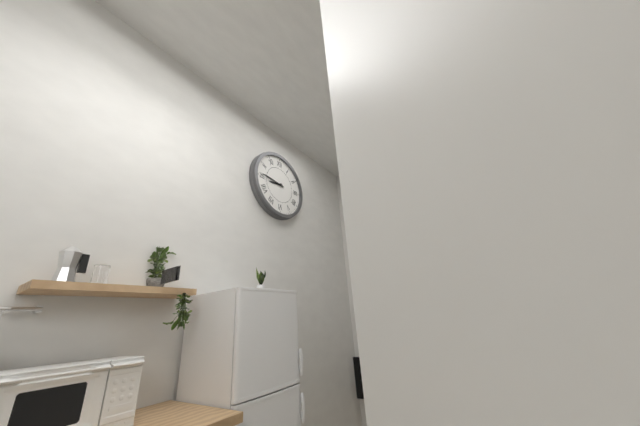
8:46
